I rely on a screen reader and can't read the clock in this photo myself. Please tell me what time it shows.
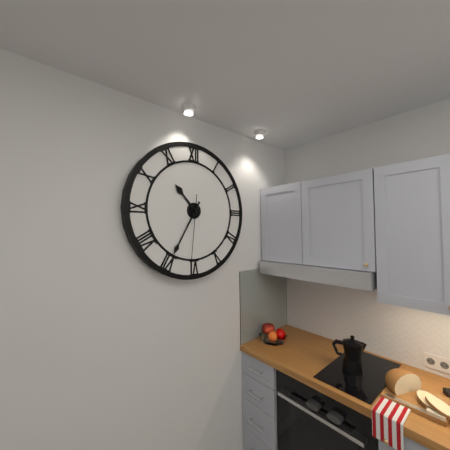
10:35:31
